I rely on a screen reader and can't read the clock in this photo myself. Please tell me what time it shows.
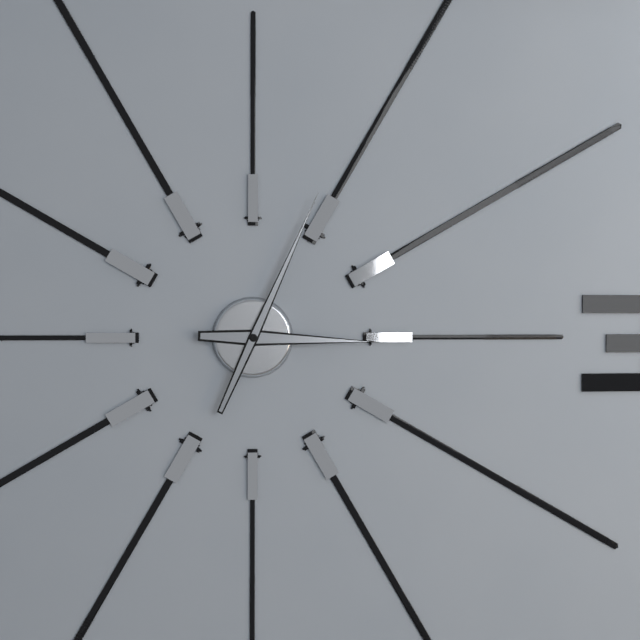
3:04
